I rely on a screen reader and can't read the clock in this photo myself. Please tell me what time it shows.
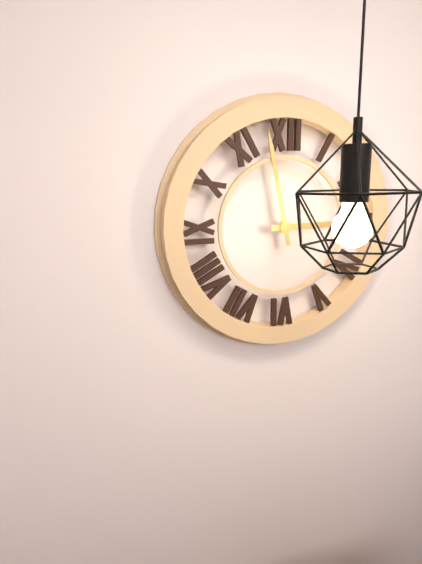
2:58
